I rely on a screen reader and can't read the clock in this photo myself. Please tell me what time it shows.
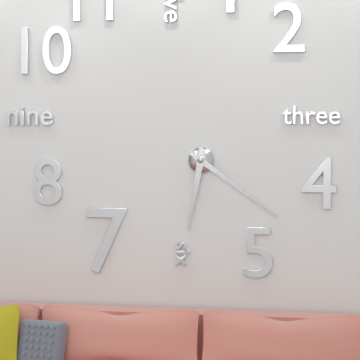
6:21
